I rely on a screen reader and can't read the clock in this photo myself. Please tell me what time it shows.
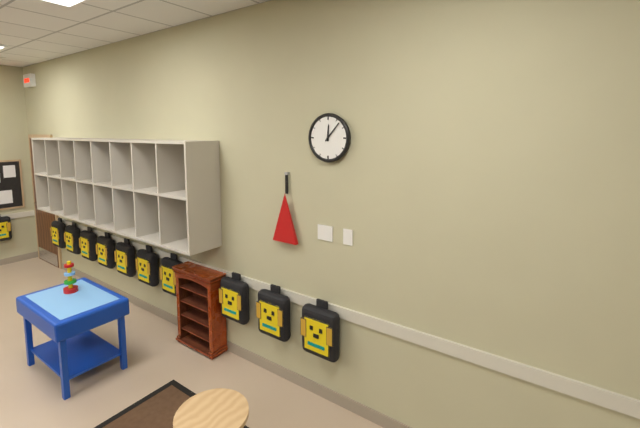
12:07
